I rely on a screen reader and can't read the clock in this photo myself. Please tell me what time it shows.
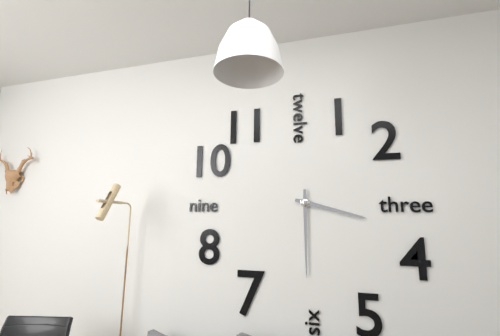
3:30
